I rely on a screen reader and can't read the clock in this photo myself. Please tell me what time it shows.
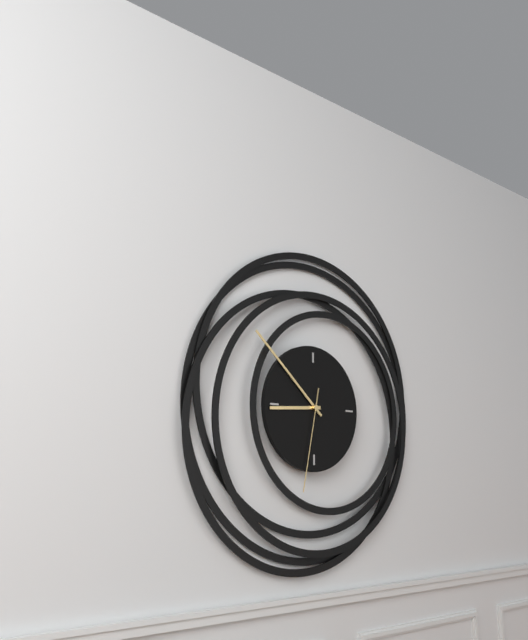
8:52:32
